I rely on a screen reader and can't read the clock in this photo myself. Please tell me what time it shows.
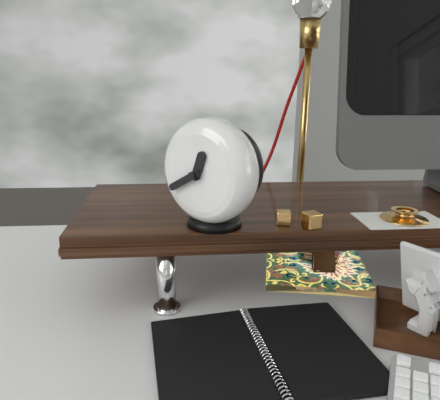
12:40
